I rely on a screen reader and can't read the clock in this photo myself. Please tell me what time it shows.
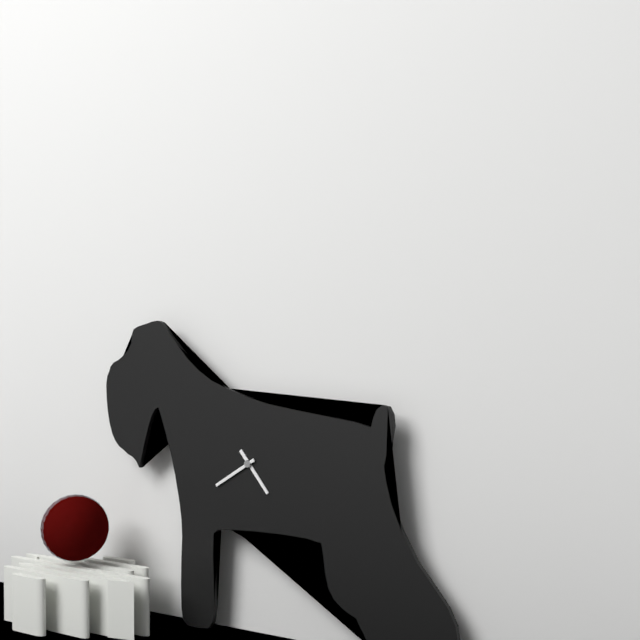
4:40
